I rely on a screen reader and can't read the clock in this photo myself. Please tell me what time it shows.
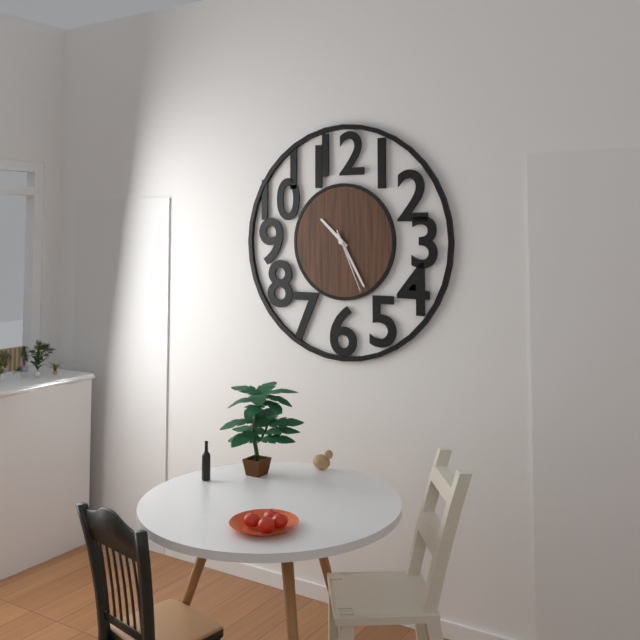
10:25:26
